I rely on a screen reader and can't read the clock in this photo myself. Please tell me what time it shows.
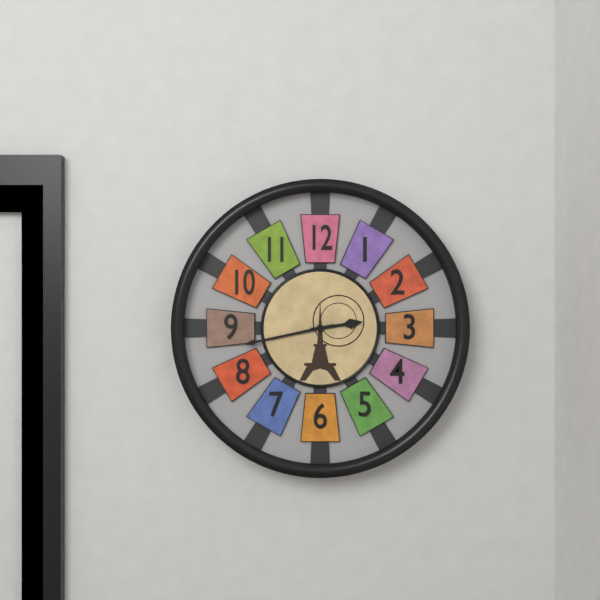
2:43
